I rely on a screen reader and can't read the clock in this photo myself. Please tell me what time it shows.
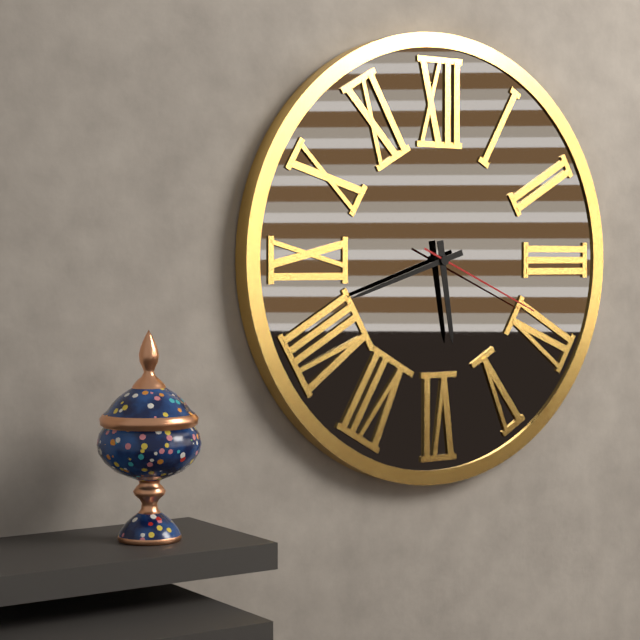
5:42:19
